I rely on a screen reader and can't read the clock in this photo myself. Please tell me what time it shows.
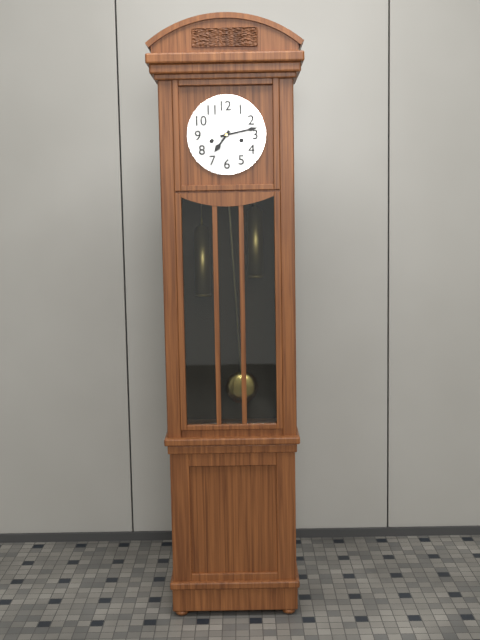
7:13
